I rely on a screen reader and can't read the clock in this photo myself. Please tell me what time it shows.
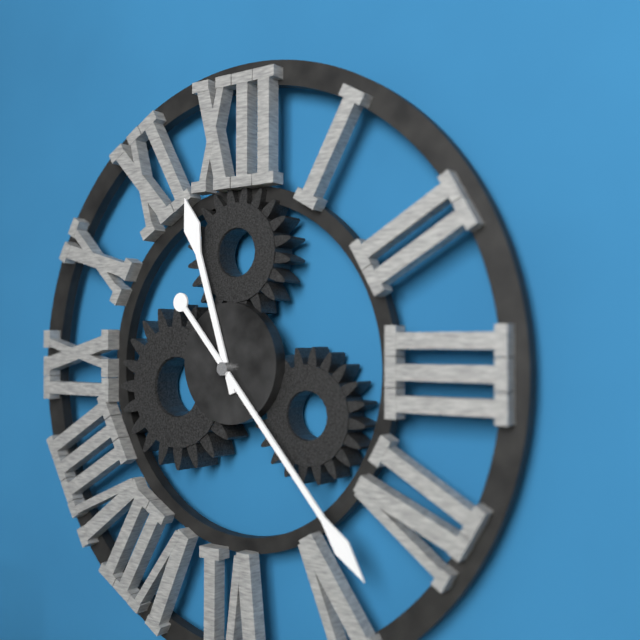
11:23
